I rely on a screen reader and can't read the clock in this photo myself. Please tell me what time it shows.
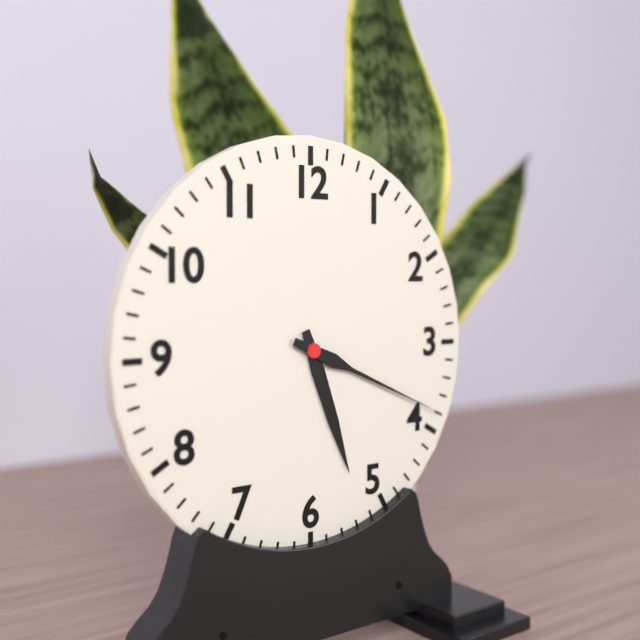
5:19
